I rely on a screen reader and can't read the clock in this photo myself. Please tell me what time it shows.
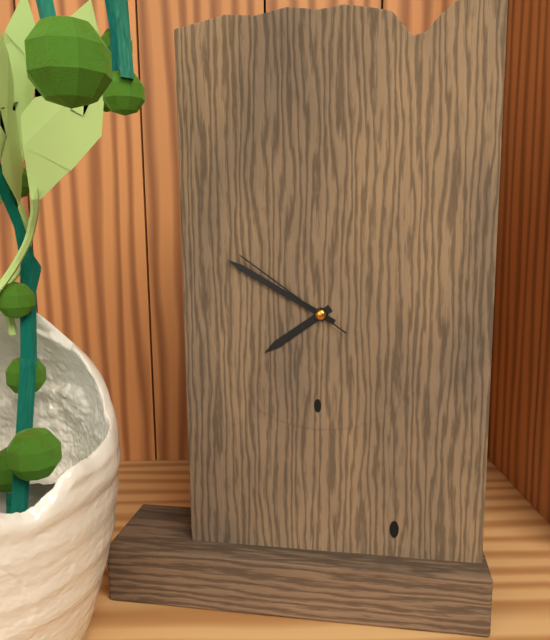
7:50:51
